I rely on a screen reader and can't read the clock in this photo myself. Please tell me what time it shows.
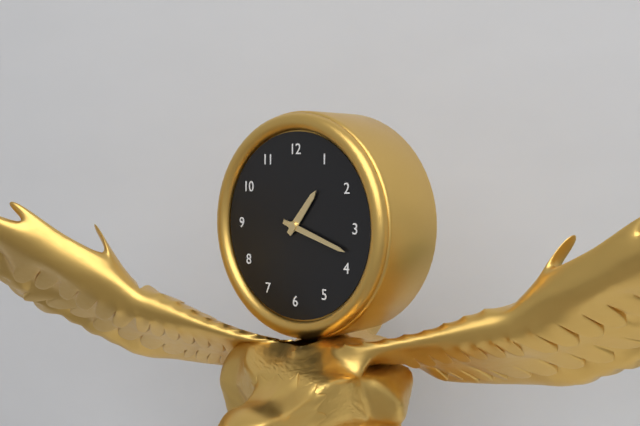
1:18
